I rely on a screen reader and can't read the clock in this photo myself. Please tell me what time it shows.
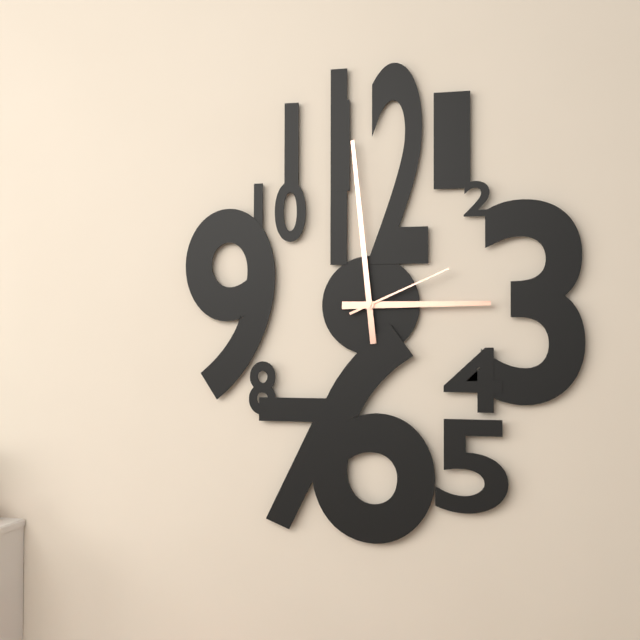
2:59:11
